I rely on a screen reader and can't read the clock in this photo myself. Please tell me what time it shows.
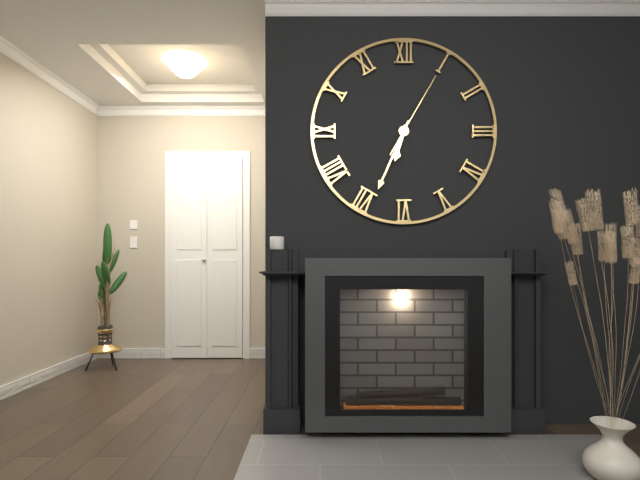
6:34:05
